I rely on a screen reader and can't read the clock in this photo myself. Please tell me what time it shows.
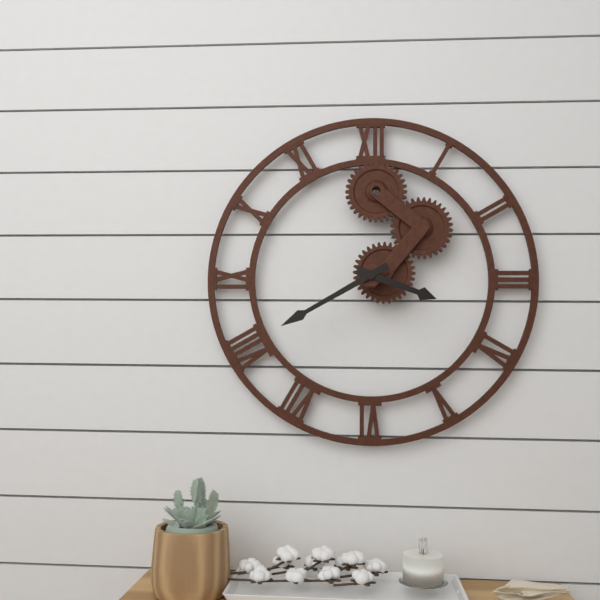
3:40
